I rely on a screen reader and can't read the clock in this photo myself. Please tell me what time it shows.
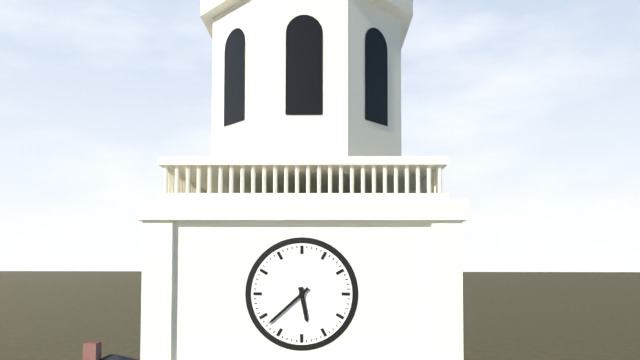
5:38
